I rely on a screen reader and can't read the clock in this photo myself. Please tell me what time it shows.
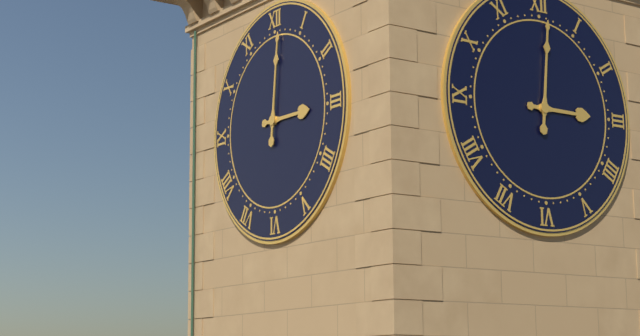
3:01
